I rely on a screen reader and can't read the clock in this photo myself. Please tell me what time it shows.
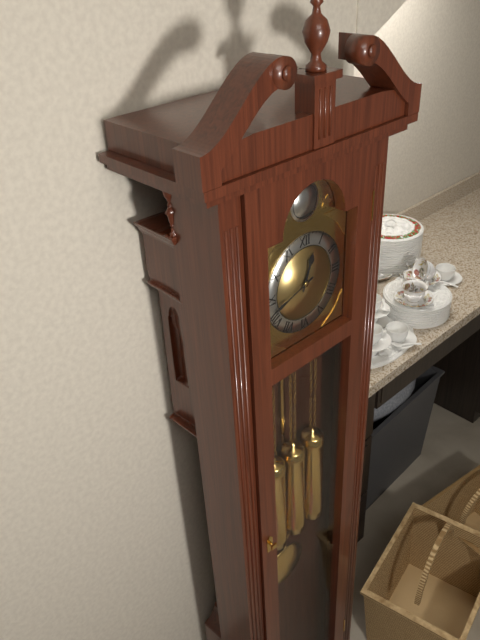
12:42
